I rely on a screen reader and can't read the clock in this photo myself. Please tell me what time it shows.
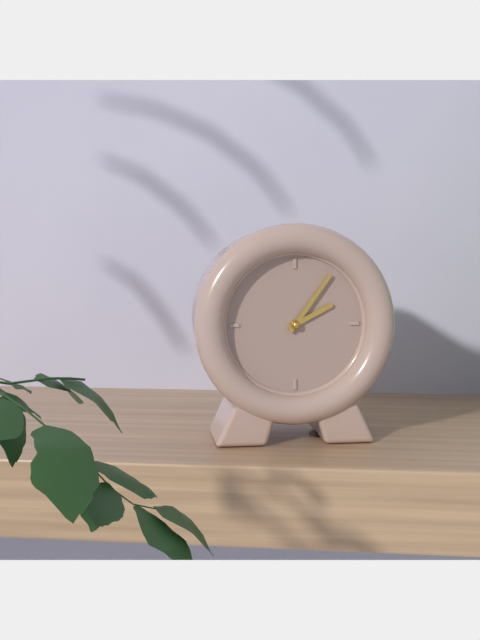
2:06
